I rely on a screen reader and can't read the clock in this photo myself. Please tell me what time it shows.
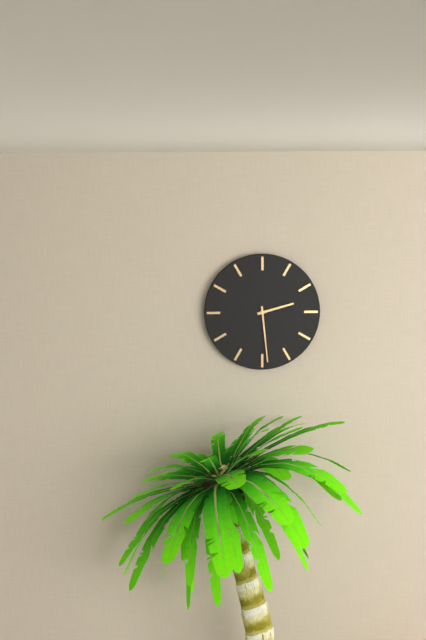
2:29
